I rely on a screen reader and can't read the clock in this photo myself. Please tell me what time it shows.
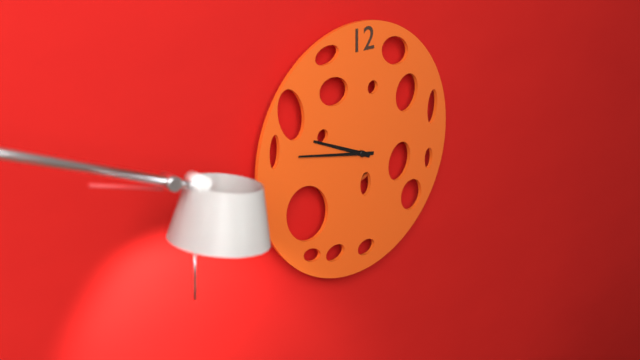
9:47
